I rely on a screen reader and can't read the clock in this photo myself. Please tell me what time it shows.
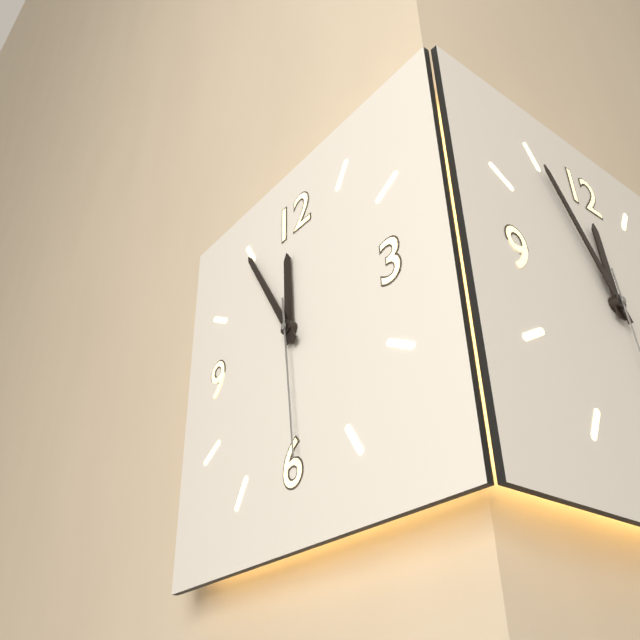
11:55:29
